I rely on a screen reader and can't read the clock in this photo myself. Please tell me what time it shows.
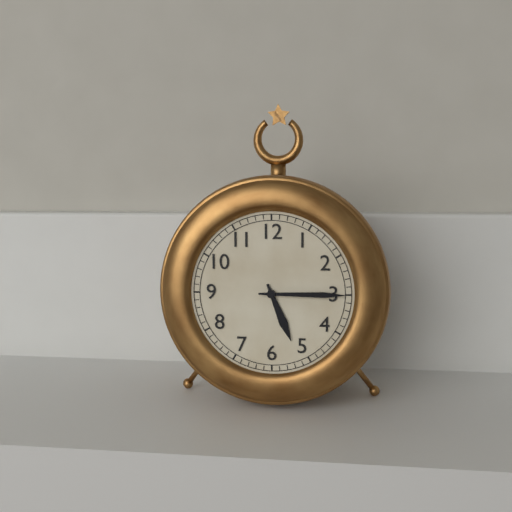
5:15
